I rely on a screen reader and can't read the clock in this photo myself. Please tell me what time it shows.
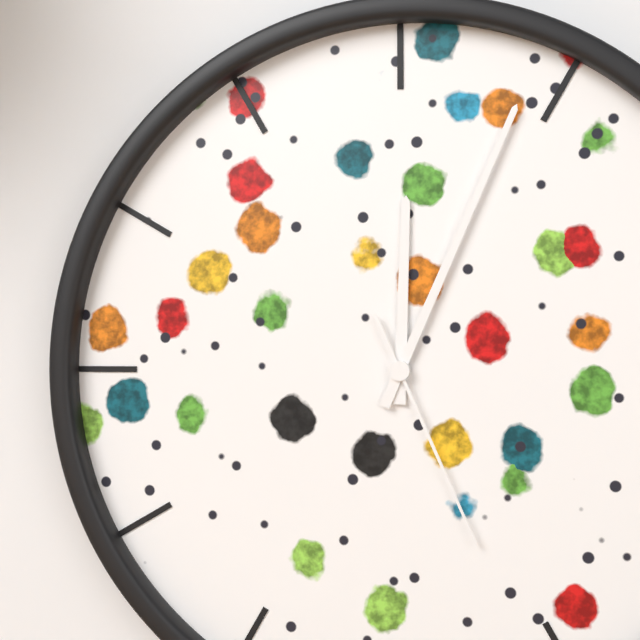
12:04:26
